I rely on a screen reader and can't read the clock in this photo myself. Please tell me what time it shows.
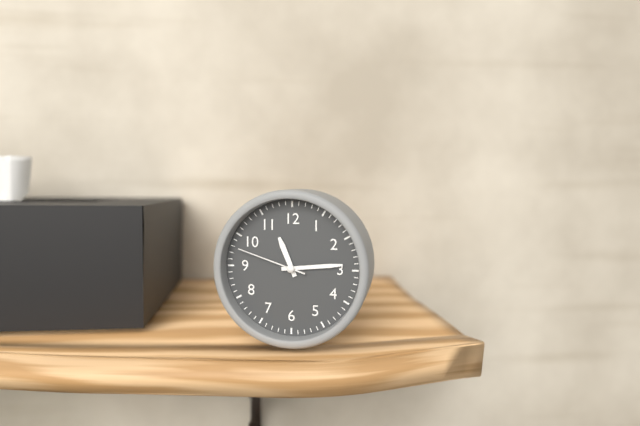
11:14:48
